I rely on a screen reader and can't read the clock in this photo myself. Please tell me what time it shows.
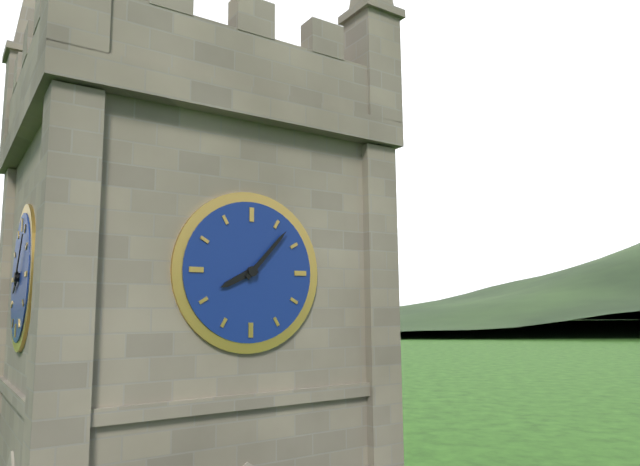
8:07
